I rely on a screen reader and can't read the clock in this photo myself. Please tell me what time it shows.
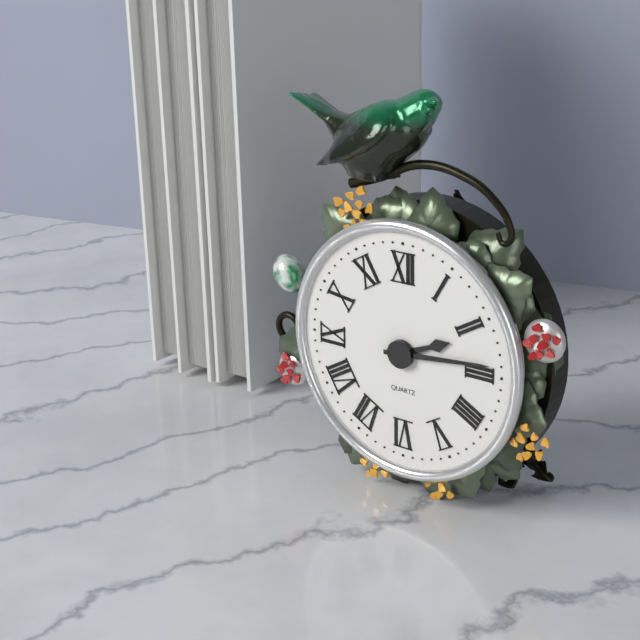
2:14
